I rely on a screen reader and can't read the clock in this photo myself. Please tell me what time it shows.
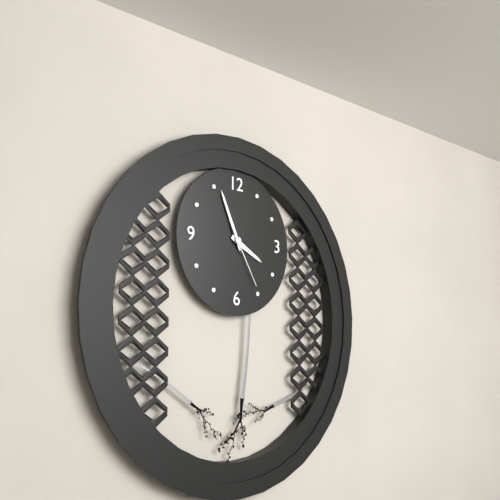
3:56:25
